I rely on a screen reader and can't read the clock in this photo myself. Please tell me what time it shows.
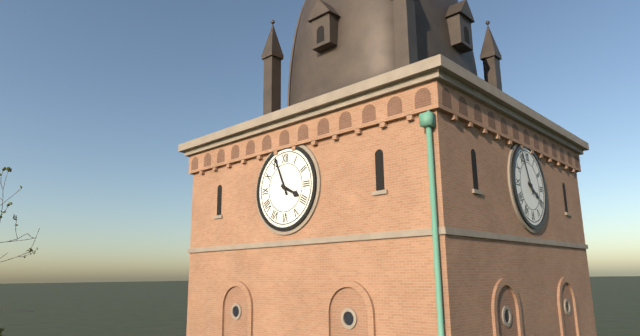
3:56
